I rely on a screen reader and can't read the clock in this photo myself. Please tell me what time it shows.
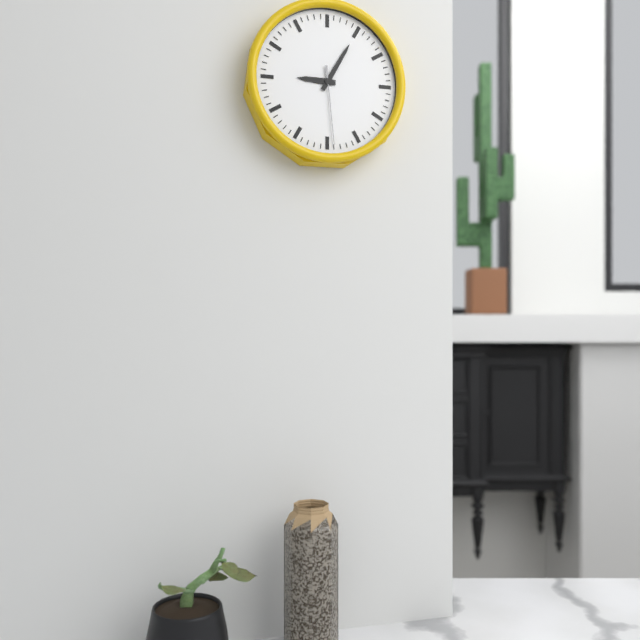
9:05:29
